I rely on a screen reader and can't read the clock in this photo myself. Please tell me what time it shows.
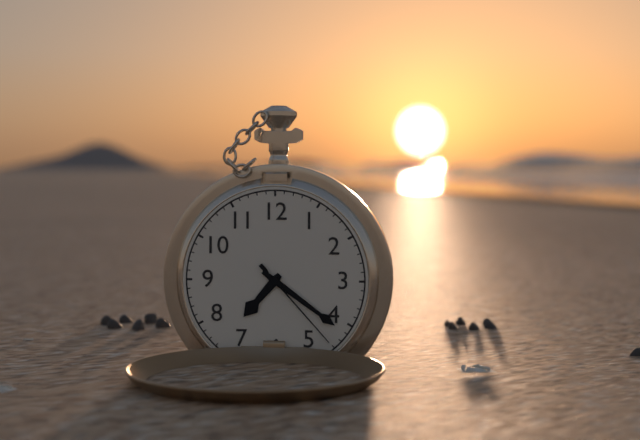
7:21:23
